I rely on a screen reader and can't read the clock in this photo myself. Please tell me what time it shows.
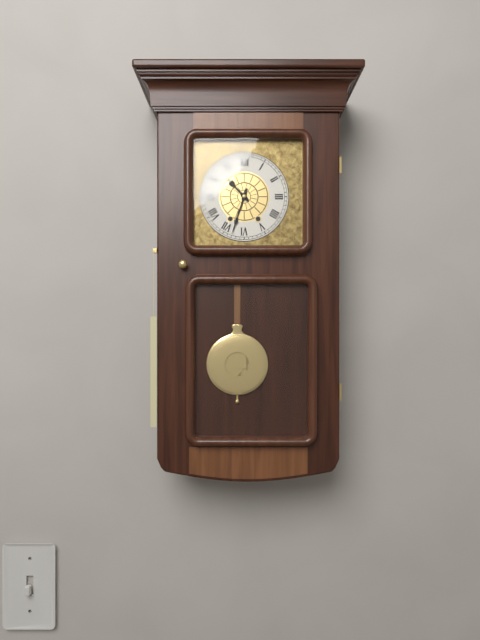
10:33
